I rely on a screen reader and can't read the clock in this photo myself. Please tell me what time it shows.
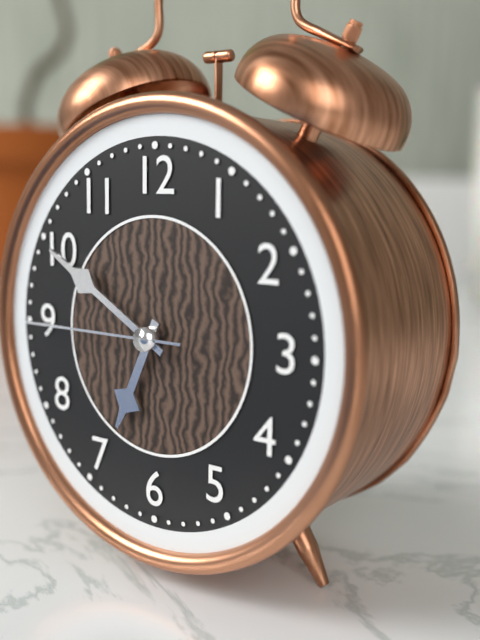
6:50:45
